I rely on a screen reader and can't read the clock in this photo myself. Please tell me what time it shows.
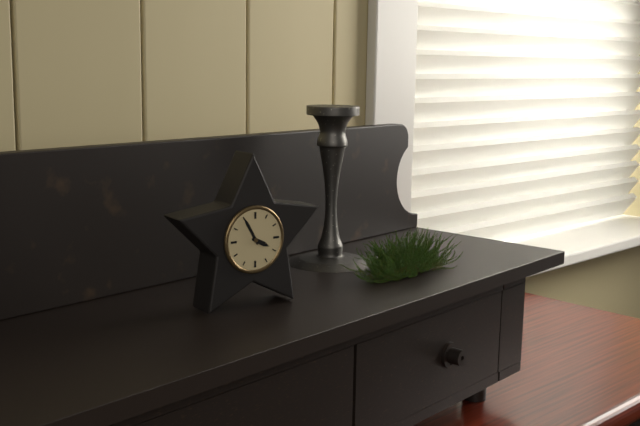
3:55
